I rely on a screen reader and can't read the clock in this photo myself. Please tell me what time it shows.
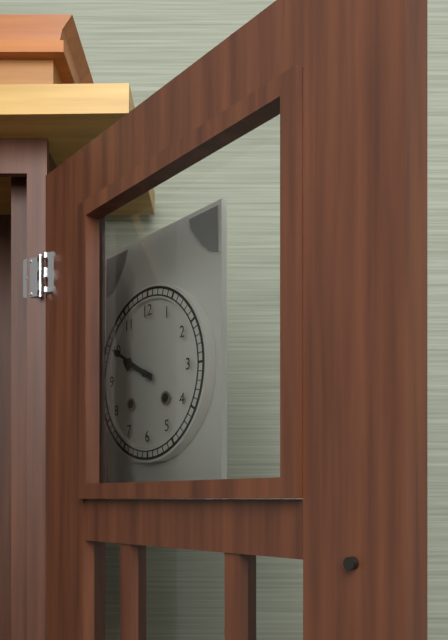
9:50
